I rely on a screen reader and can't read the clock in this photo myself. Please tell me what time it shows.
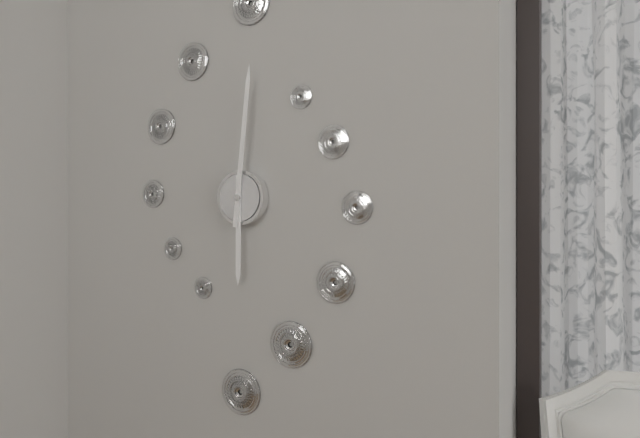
6:01
